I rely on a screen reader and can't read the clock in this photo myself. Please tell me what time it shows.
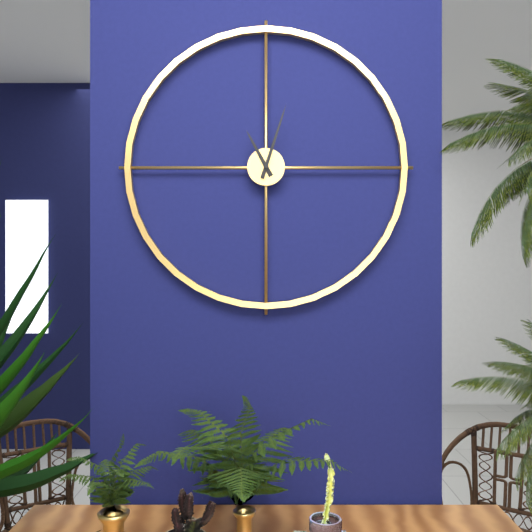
11:03
